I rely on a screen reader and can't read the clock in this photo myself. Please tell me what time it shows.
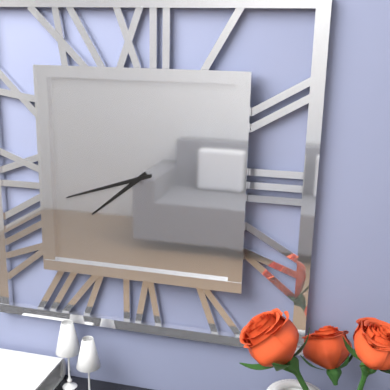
7:42
